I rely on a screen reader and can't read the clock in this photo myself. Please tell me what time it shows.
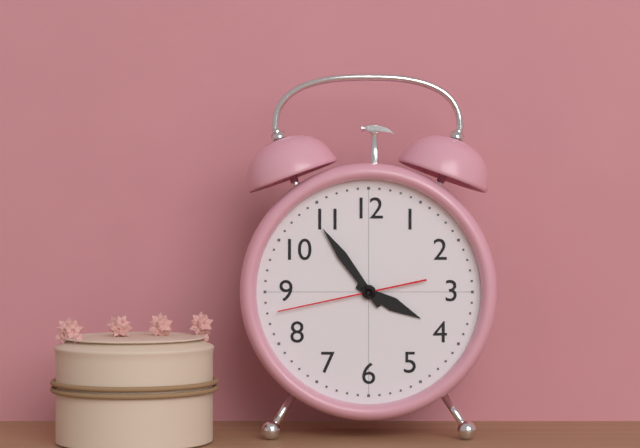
3:54:43
